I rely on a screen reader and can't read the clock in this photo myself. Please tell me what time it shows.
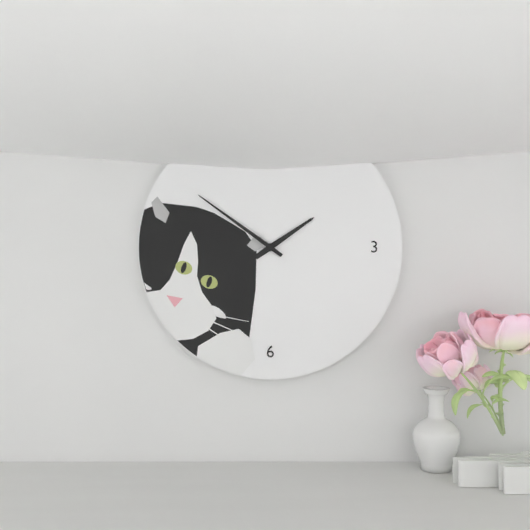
1:51
